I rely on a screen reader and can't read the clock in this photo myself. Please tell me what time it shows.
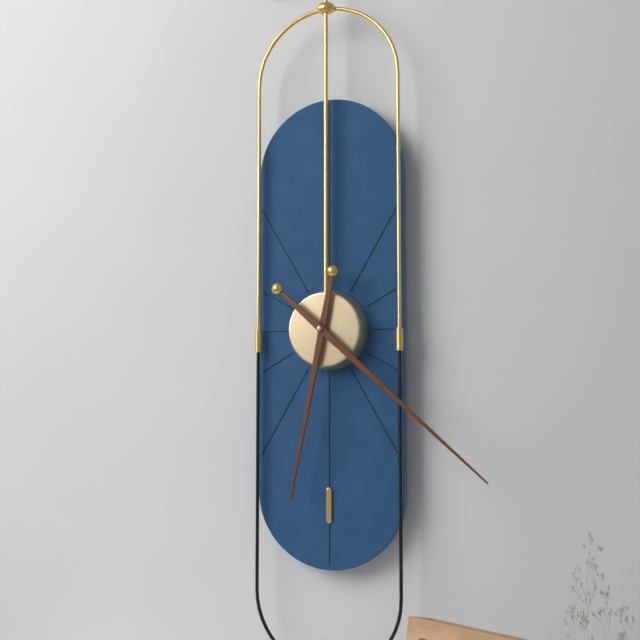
6:22
